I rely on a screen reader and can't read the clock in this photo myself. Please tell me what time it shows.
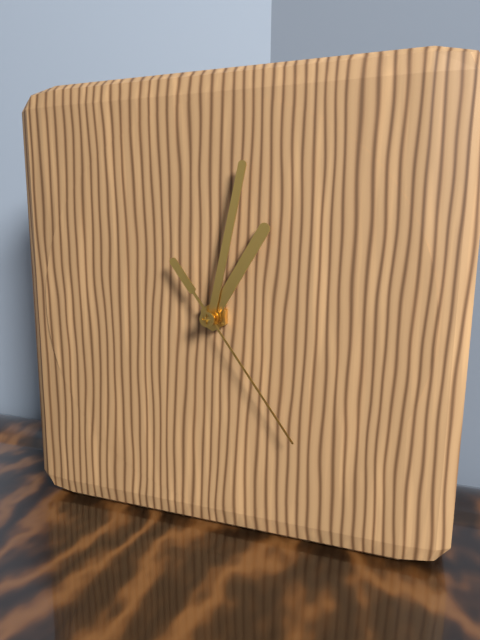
1:02:24
